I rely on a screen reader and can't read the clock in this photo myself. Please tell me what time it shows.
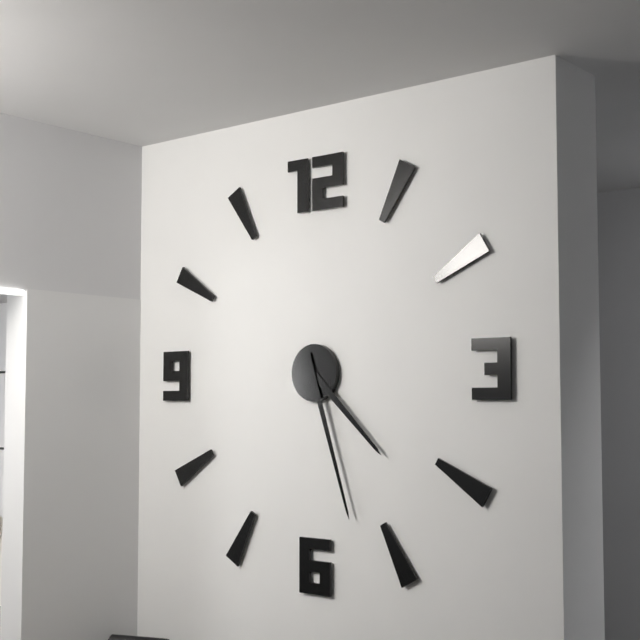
4:27
